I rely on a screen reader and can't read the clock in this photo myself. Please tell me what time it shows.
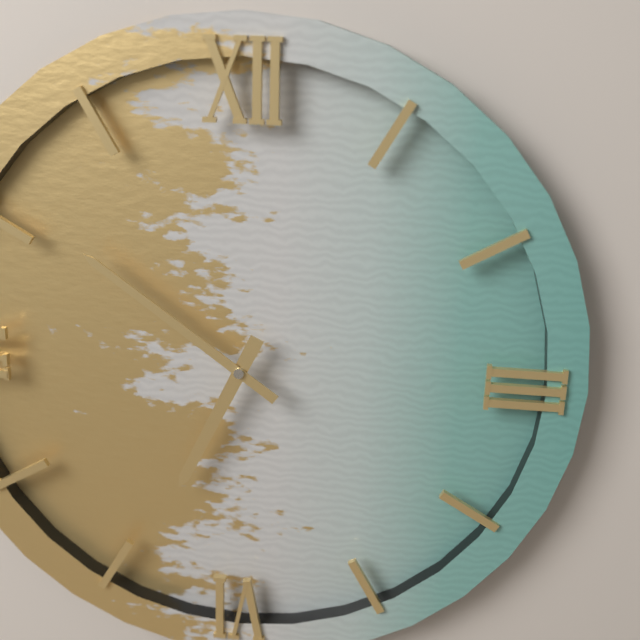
6:51
